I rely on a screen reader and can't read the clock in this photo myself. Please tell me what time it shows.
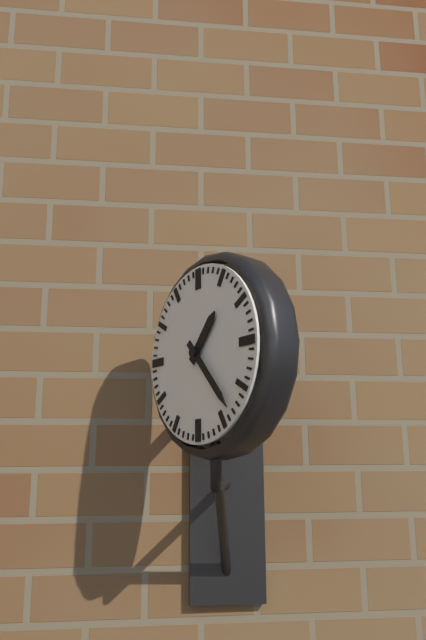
1:23
